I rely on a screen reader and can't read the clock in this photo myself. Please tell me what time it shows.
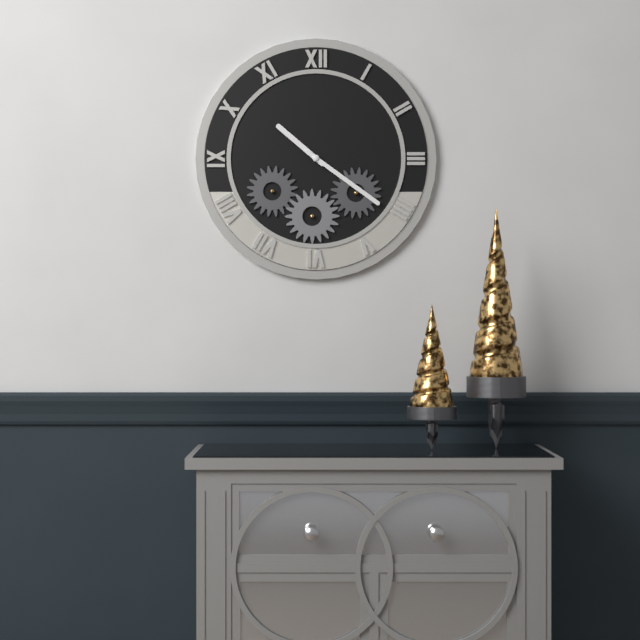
10:21
